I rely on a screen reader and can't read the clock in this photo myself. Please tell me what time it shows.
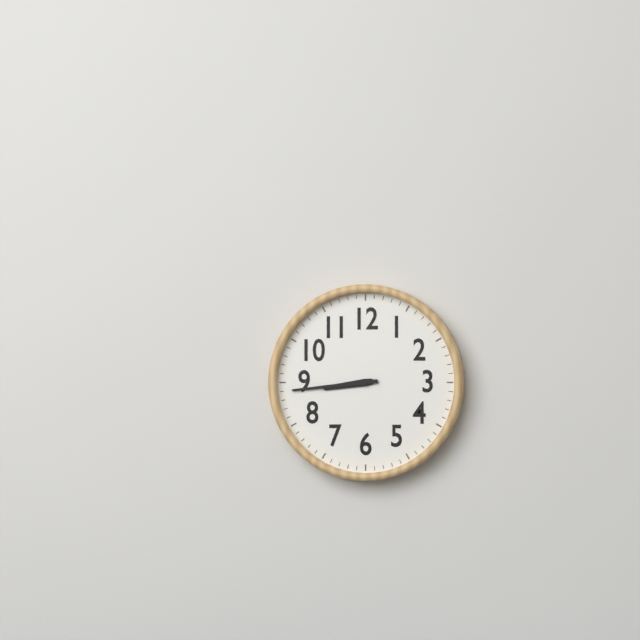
8:44
